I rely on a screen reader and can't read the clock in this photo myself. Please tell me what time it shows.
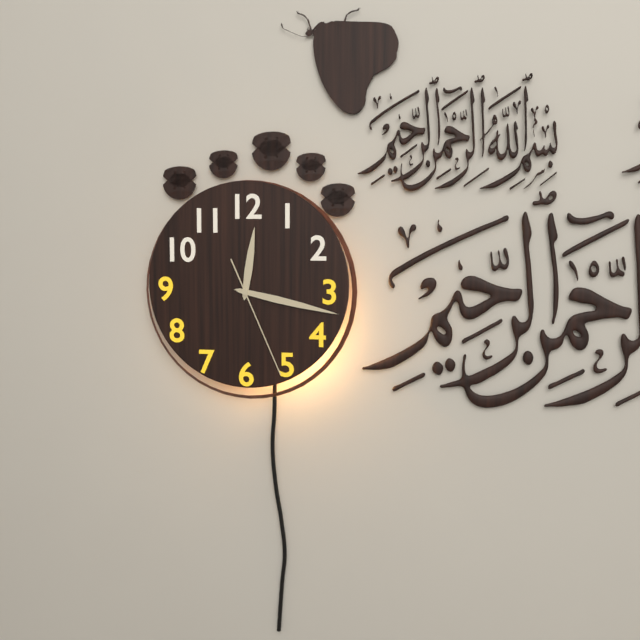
12:17:26
